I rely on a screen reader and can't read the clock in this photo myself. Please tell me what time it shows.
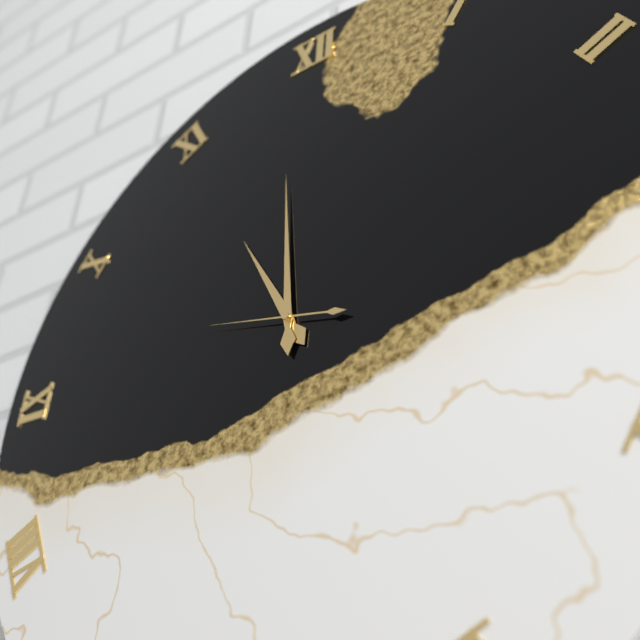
10:59:47
